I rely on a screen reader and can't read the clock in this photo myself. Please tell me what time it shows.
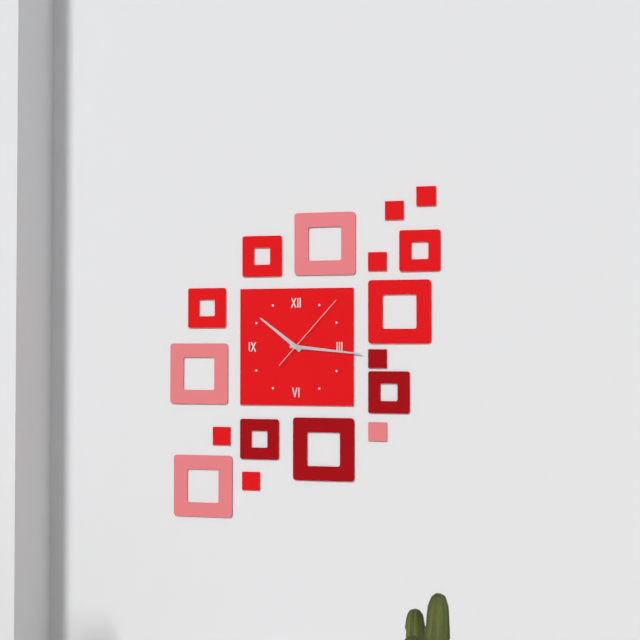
10:16:07
